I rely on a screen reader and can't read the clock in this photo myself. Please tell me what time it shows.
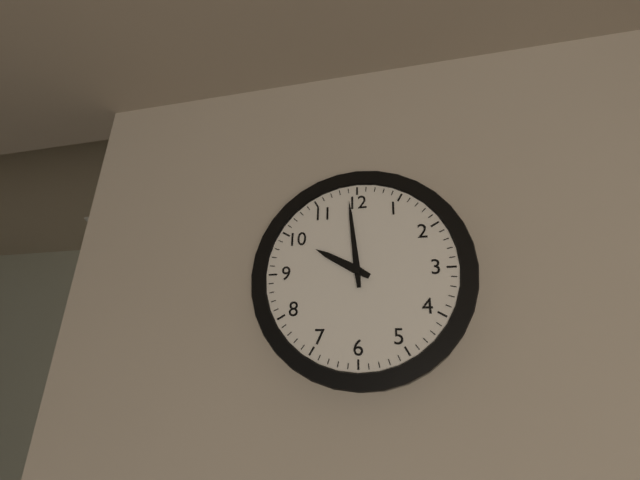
9:59
